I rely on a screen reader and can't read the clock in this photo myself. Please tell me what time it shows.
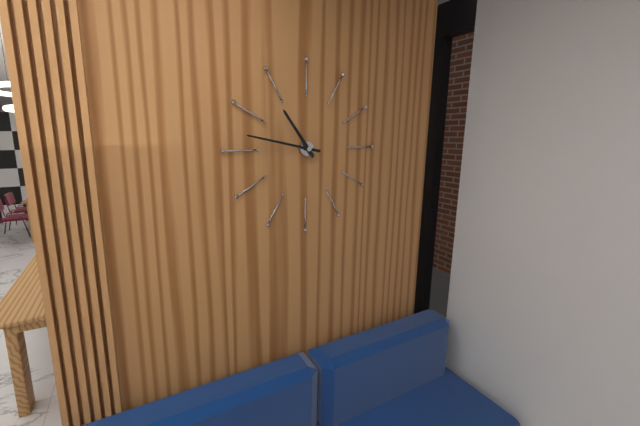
10:47
